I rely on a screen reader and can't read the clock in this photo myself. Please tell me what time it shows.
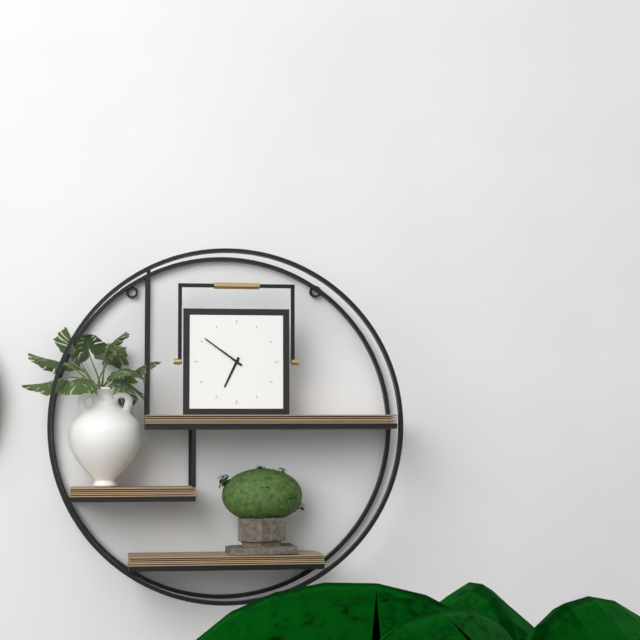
6:51
